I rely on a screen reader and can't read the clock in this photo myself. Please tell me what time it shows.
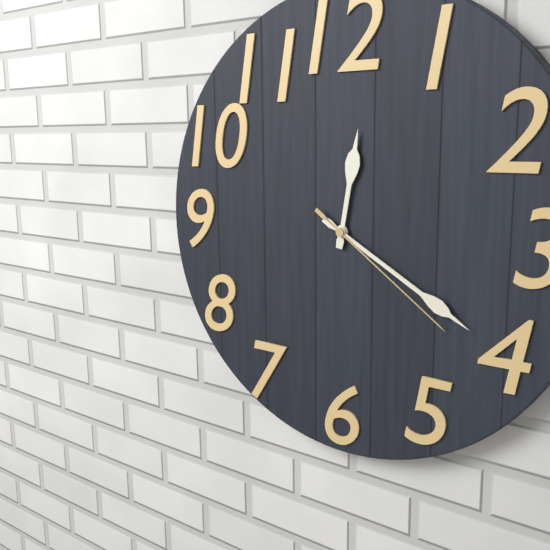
12:20:21
